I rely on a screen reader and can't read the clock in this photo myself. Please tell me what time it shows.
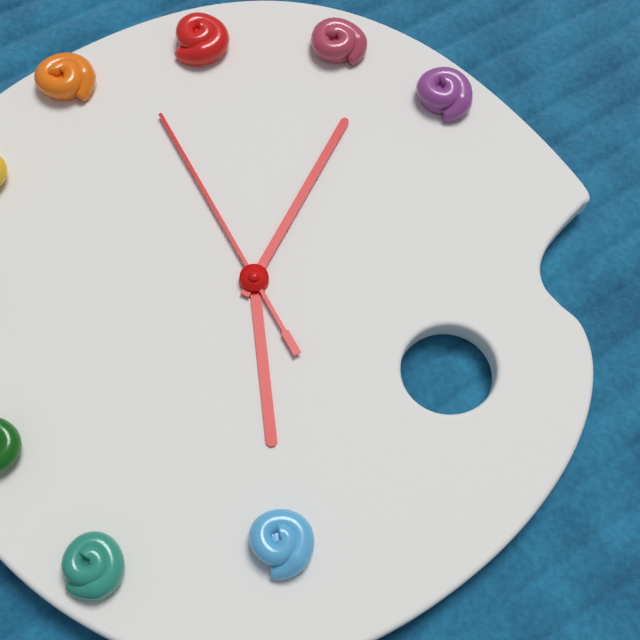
3:55:46
